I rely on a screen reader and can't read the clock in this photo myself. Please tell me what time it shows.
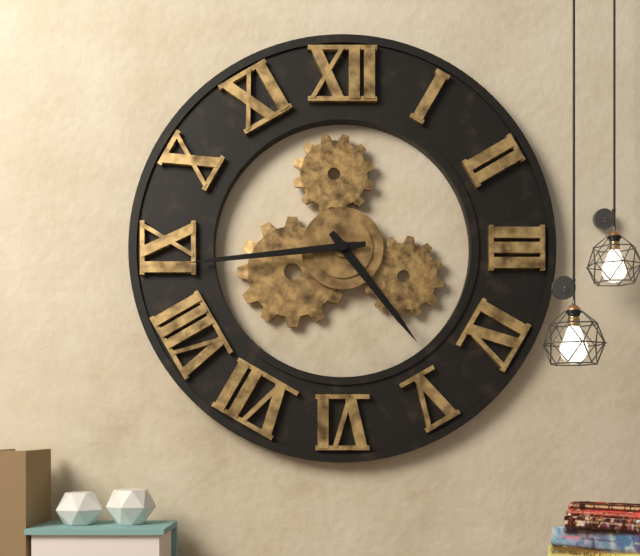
4:44
